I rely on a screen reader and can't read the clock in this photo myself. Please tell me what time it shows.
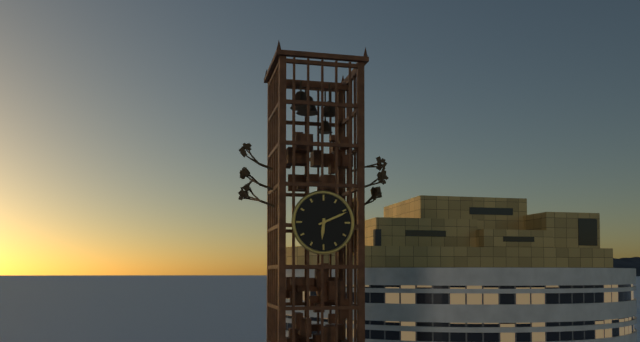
6:11
